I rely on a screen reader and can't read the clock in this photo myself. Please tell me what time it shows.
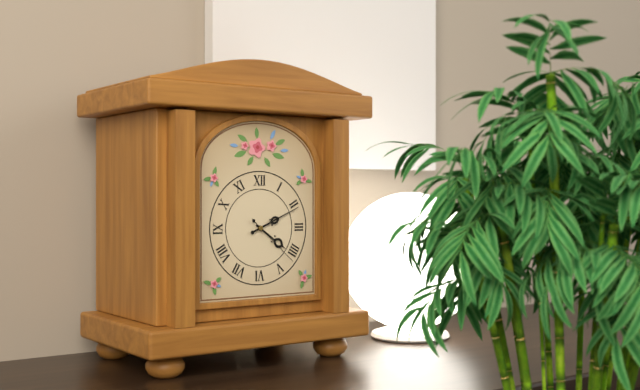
4:11:22
